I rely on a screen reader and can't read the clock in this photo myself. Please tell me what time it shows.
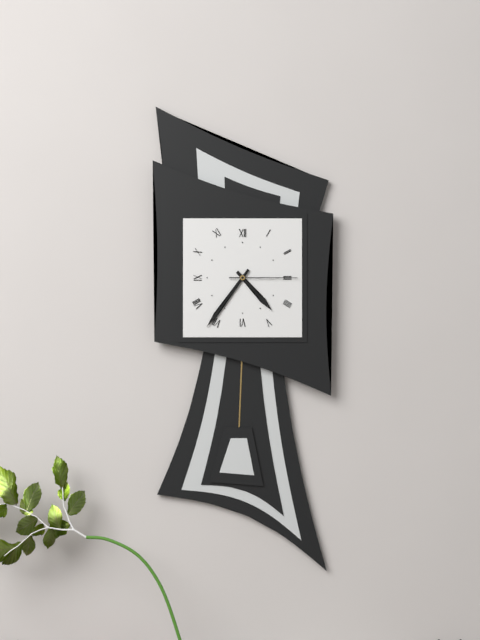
4:36:15
